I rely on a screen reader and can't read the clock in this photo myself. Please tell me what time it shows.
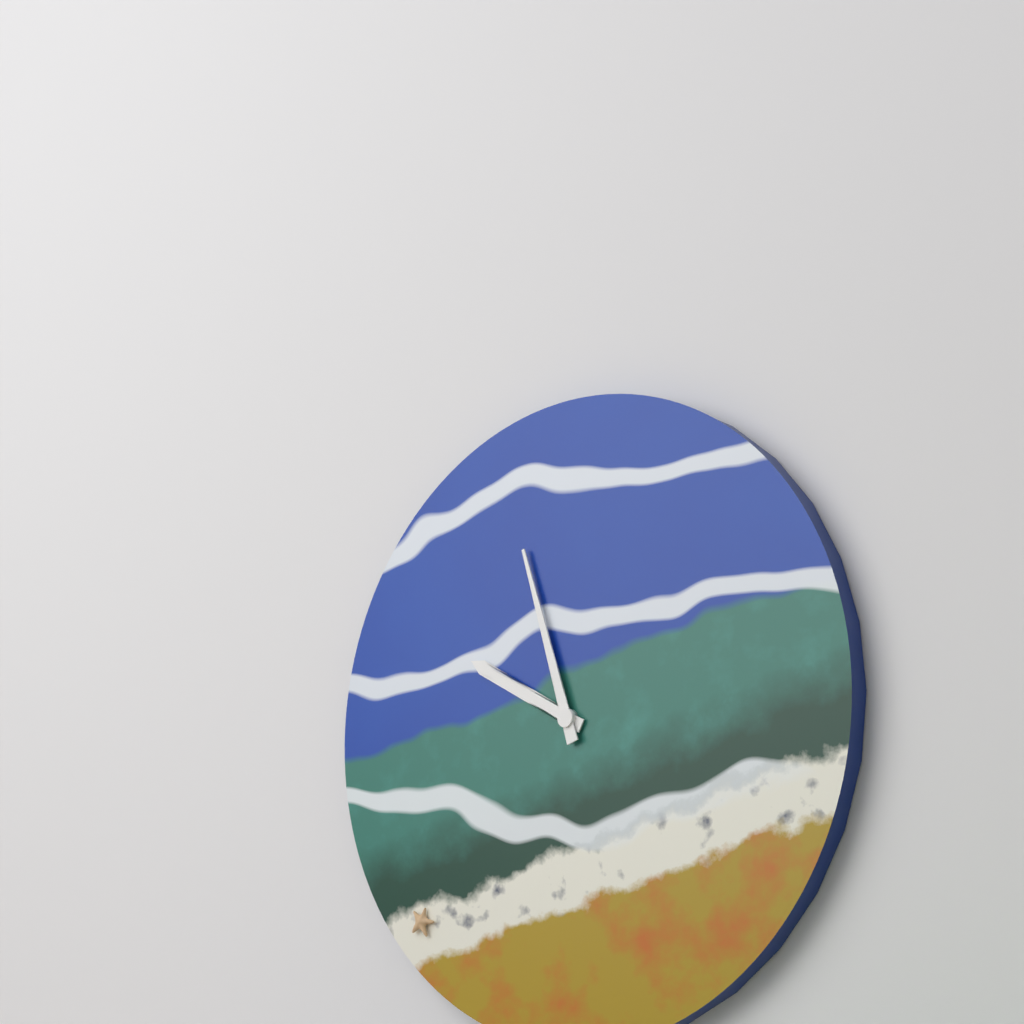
9:57
